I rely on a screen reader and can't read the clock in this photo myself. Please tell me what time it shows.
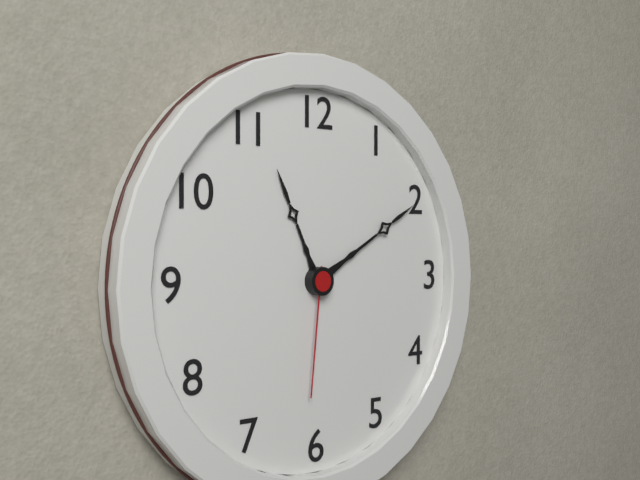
11:10:31
